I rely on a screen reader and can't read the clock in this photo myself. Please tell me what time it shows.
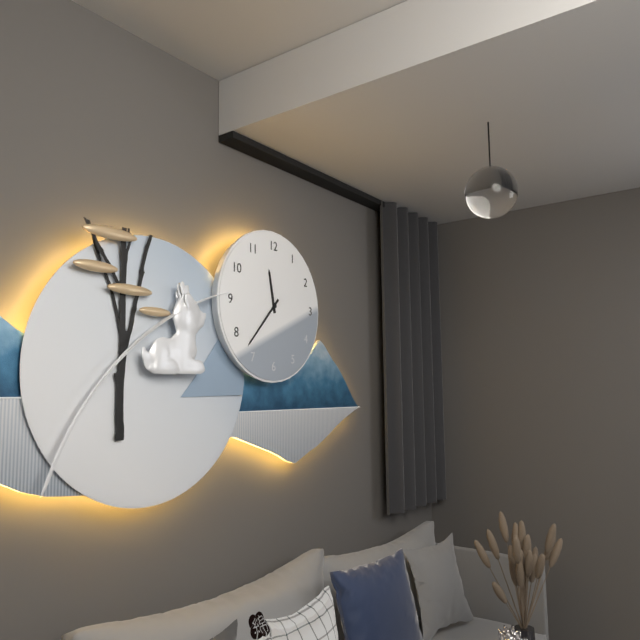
11:37
